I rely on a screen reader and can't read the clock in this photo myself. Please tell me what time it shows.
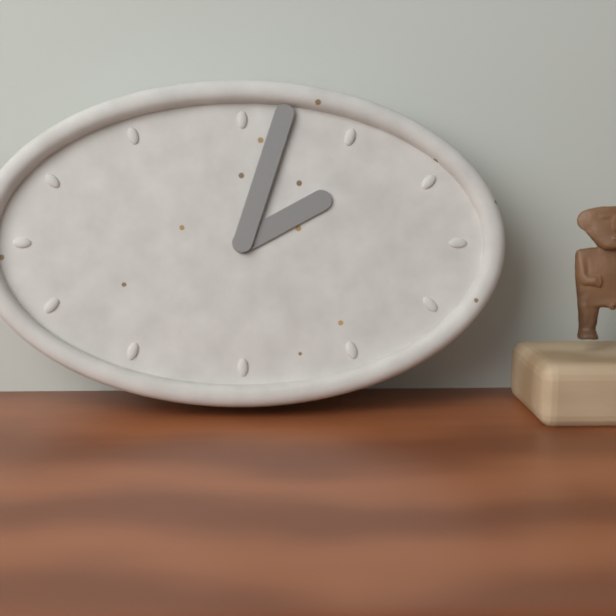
2:03
